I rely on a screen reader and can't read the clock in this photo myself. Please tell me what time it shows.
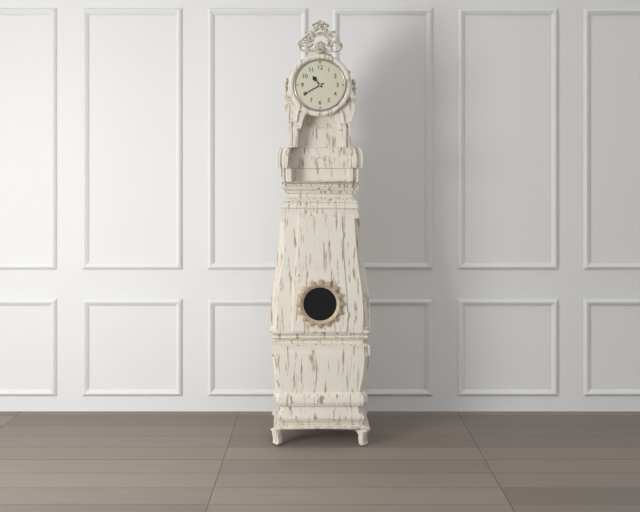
10:40
